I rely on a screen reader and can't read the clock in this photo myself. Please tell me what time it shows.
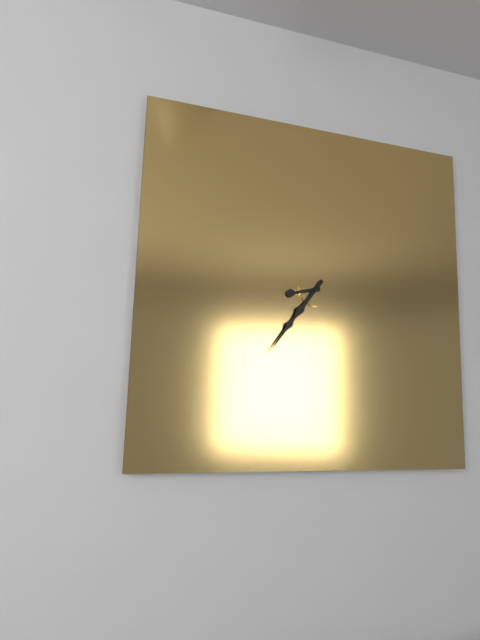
8:36
